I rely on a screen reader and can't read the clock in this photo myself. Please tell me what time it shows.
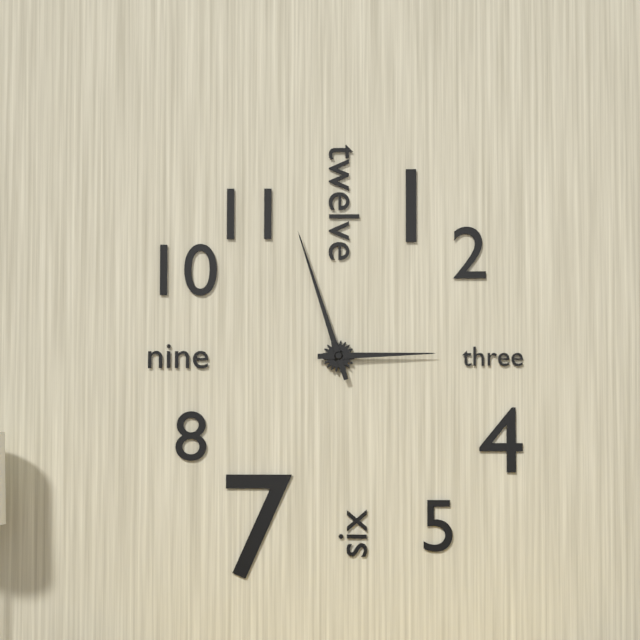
2:57
